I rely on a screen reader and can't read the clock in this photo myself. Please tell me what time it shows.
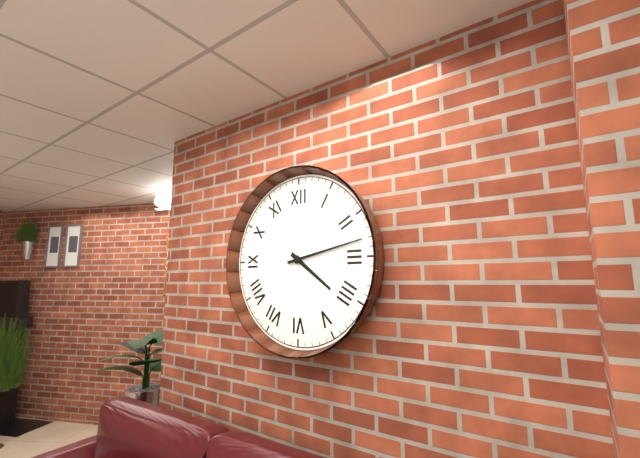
4:13
